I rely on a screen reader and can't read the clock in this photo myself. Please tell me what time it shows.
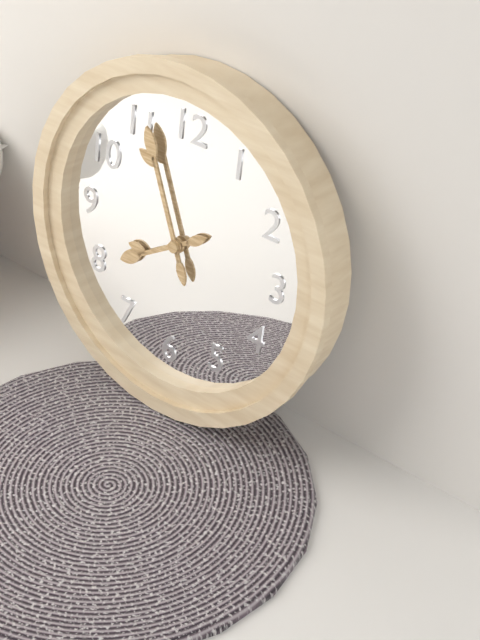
7:56
